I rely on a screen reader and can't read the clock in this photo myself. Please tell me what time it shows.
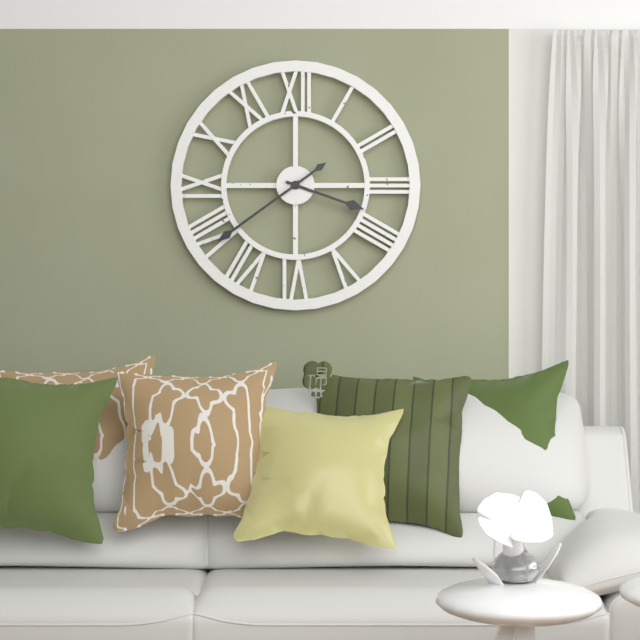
3:39
